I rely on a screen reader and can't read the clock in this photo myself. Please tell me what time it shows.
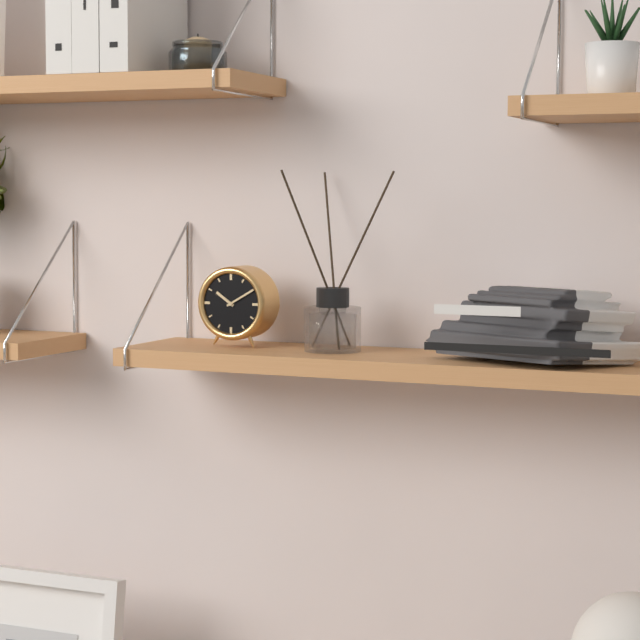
10:10
